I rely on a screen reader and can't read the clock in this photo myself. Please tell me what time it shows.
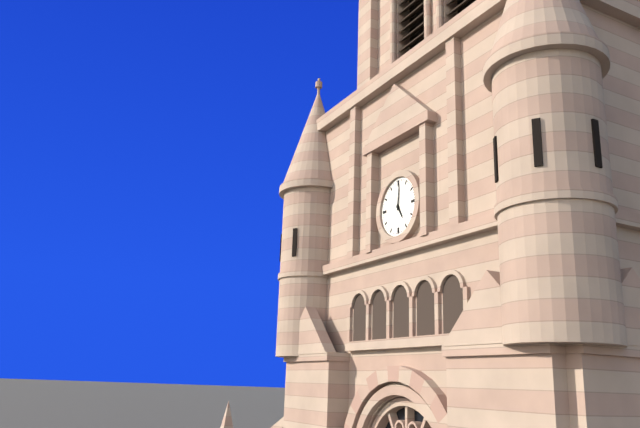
5:01
